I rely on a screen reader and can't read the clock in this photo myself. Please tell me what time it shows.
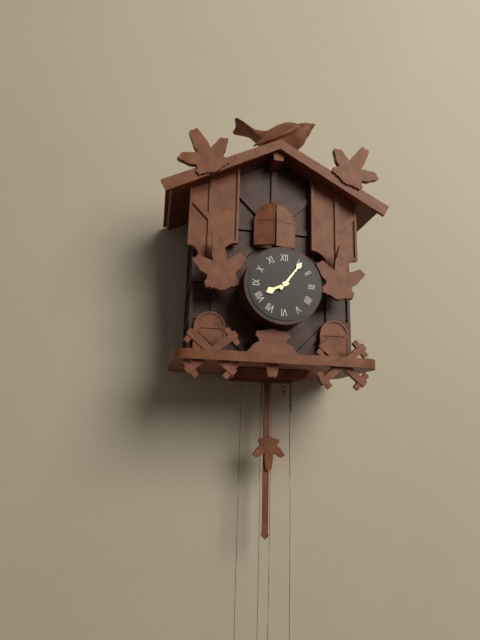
8:06
